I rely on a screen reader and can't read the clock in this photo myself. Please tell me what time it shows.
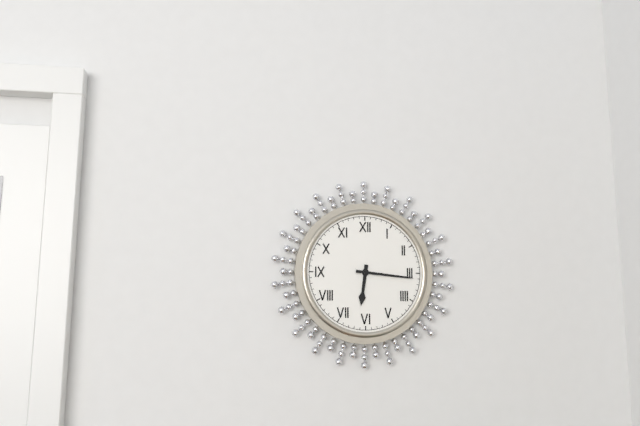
6:16
